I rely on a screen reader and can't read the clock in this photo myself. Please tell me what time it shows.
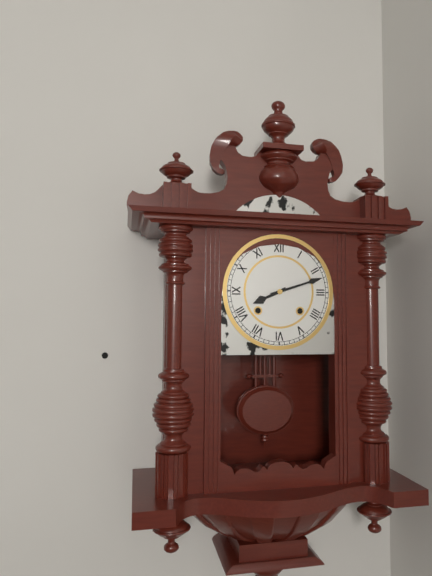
8:12
